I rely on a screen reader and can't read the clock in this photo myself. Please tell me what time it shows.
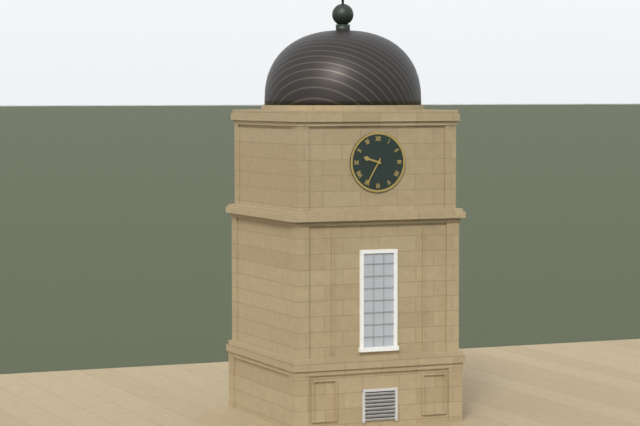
9:35
